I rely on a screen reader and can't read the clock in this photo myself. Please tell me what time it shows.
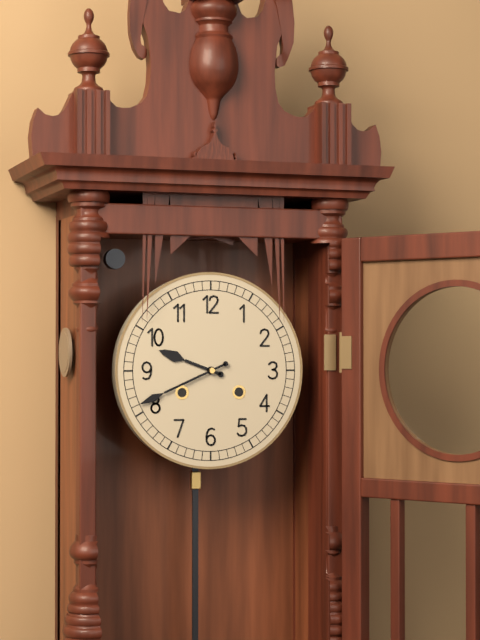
9:41
